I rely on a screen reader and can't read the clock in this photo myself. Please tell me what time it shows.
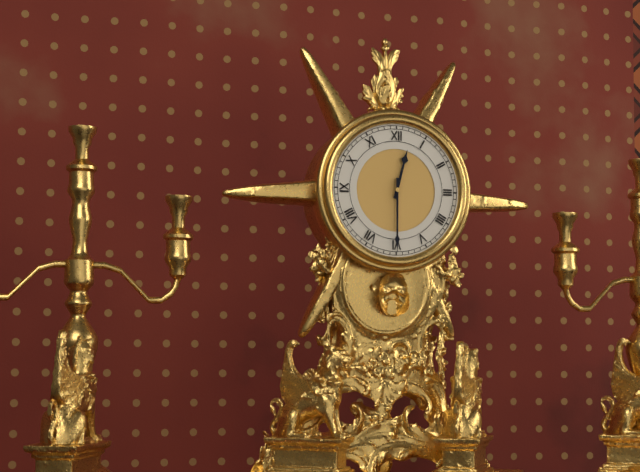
12:30
